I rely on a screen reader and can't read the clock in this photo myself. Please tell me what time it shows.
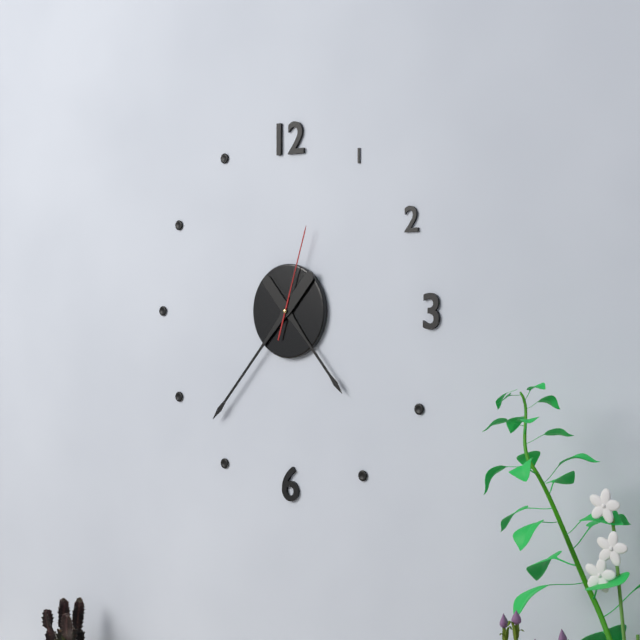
4:37:03
